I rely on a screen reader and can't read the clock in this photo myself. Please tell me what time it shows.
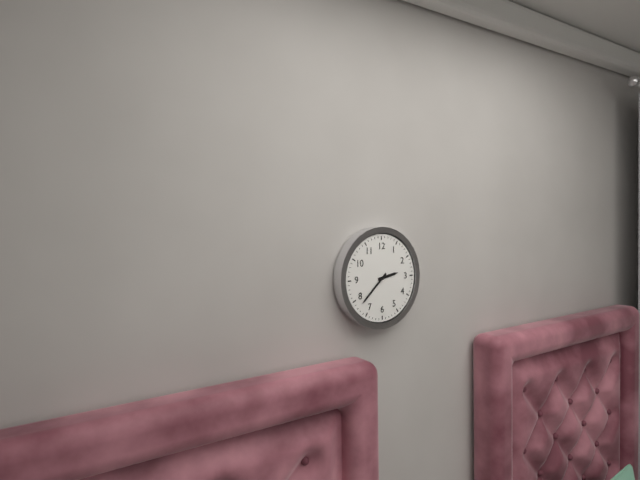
2:38
